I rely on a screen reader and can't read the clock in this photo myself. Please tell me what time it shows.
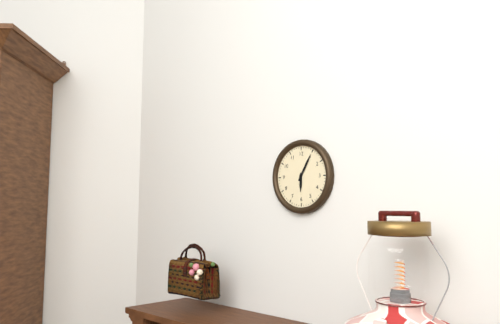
6:05
